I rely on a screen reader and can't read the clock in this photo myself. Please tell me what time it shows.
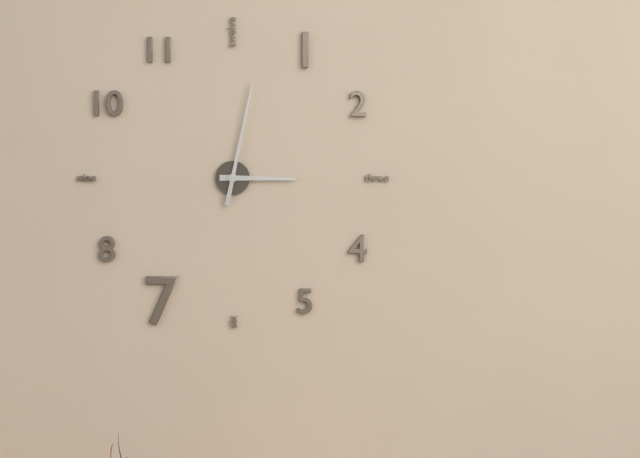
3:02
